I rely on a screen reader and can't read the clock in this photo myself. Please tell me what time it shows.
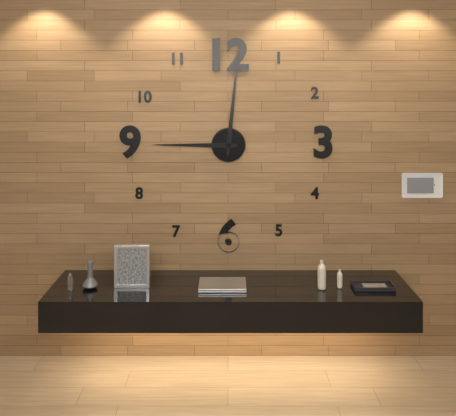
9:01
